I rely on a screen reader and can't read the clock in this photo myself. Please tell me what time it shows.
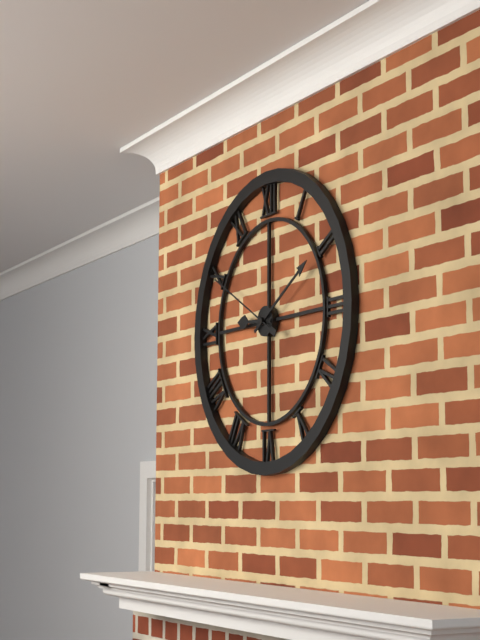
9:10:50
